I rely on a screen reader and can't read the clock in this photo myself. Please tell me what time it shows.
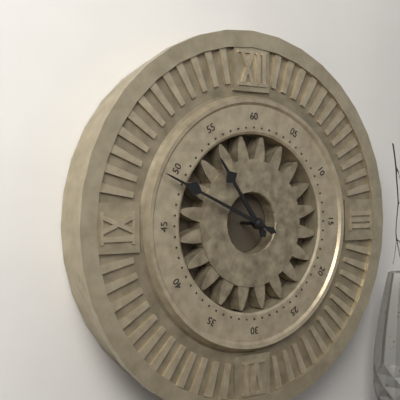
10:49
